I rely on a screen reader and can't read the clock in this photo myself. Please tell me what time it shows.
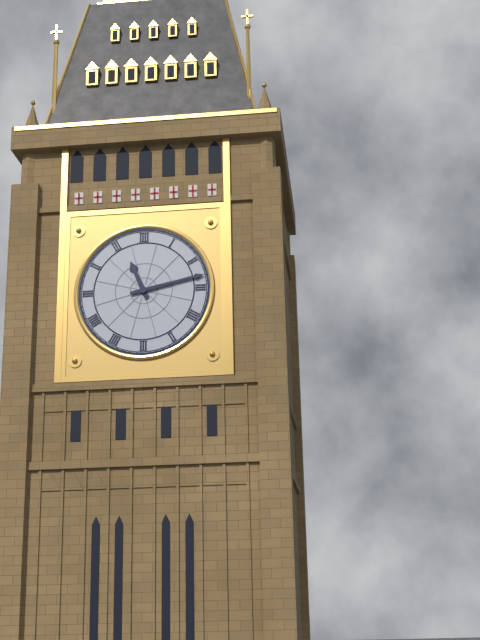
11:13
